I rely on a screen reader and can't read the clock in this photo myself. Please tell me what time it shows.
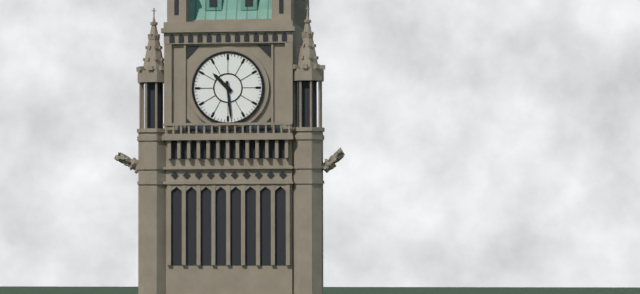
10:29
